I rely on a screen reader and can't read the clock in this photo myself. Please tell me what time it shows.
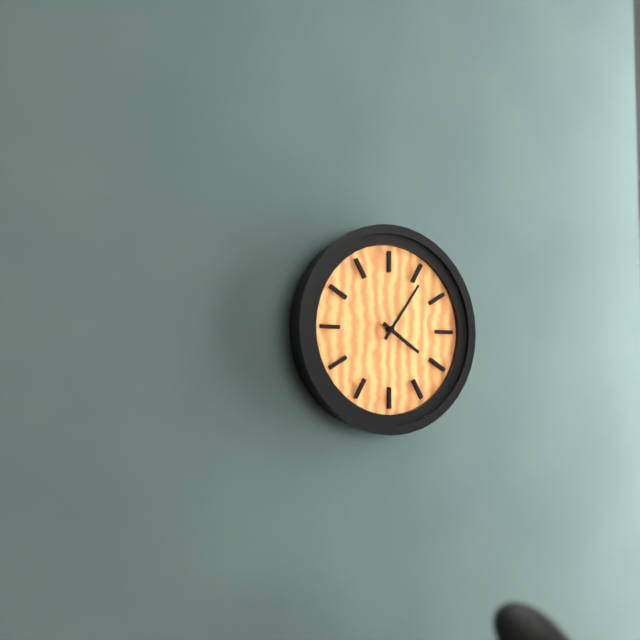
4:06
